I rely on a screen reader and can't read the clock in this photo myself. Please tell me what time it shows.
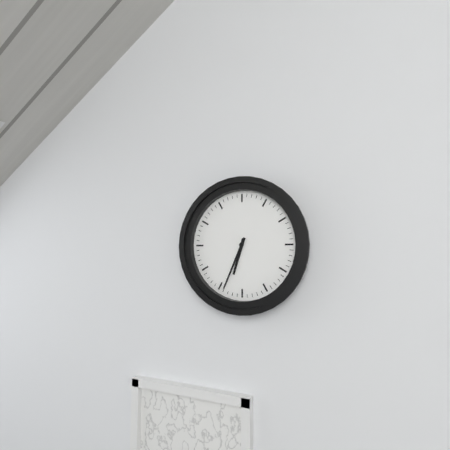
6:34
